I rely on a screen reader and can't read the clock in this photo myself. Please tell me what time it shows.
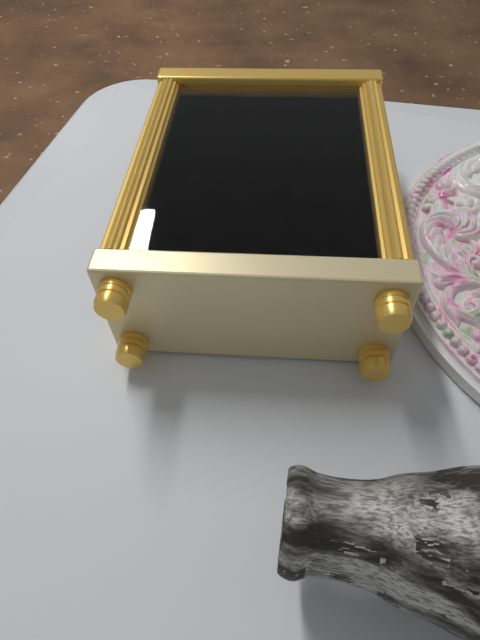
1:43
